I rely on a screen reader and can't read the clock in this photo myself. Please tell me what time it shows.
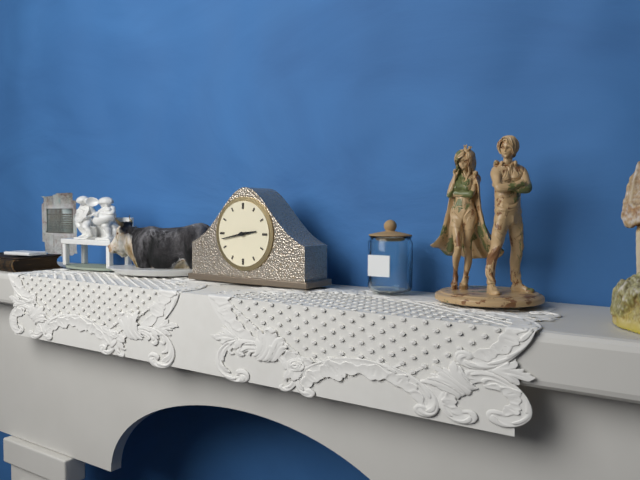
2:43
